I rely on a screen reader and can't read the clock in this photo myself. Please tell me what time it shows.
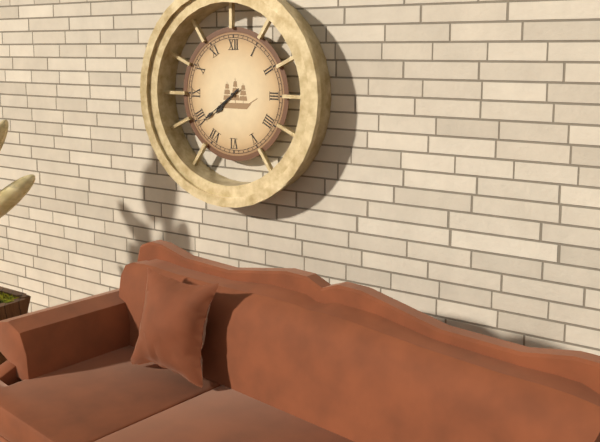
7:39
